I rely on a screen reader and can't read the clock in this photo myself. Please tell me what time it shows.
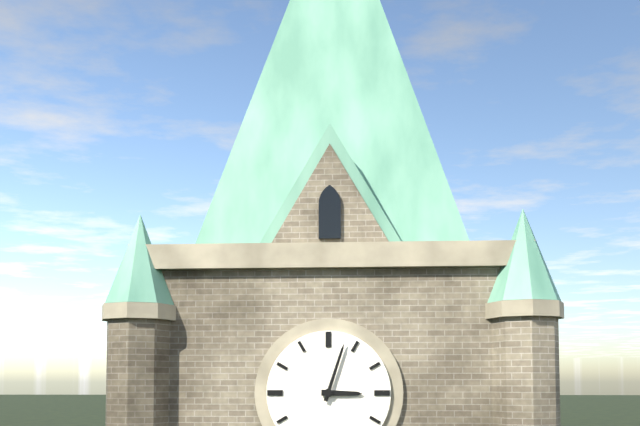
3:03
